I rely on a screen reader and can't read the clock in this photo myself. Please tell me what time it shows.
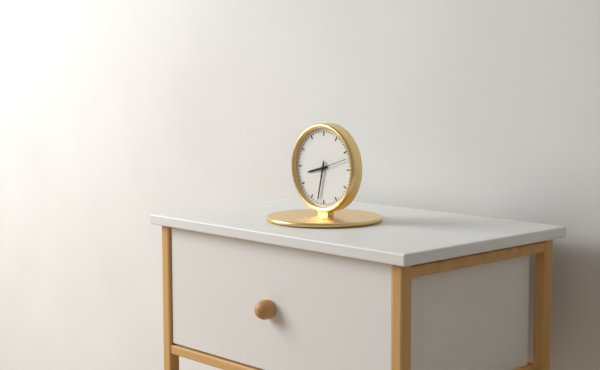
8:32
